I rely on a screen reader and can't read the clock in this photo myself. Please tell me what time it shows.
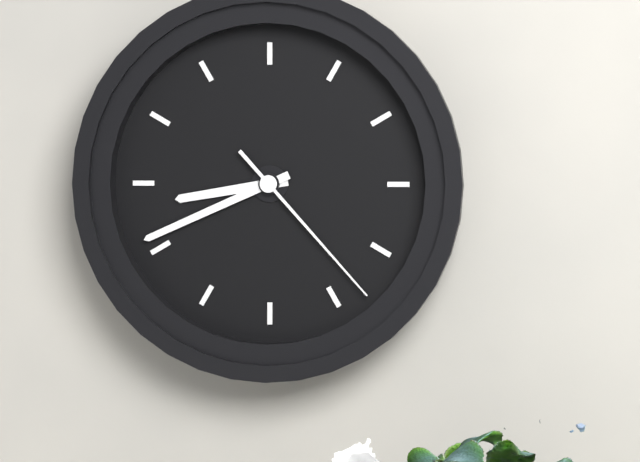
8:41:23
